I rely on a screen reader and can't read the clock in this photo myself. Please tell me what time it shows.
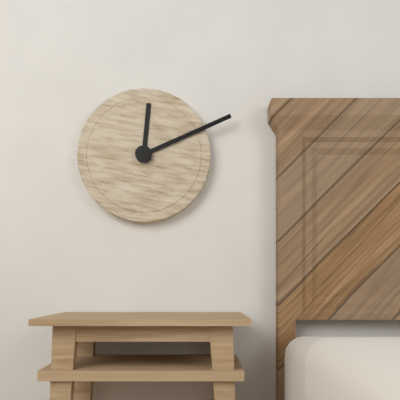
12:11
